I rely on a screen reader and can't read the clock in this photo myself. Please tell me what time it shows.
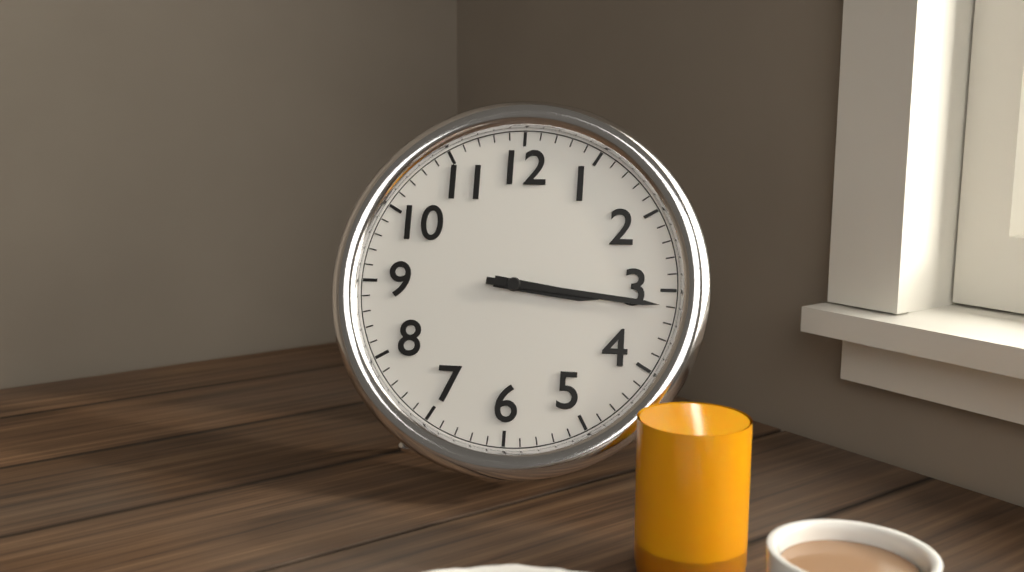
3:16
